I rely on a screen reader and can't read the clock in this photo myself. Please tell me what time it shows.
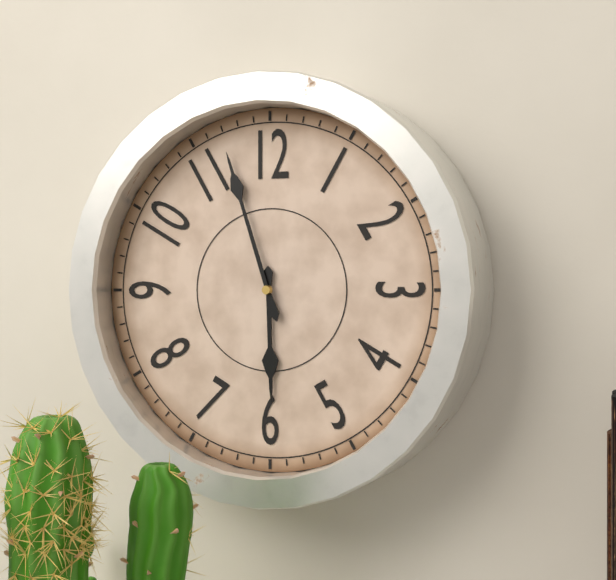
5:57
